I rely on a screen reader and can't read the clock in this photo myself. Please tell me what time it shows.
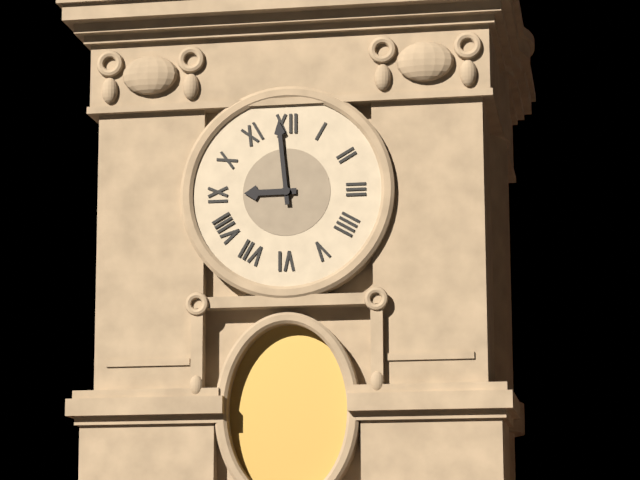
8:59
